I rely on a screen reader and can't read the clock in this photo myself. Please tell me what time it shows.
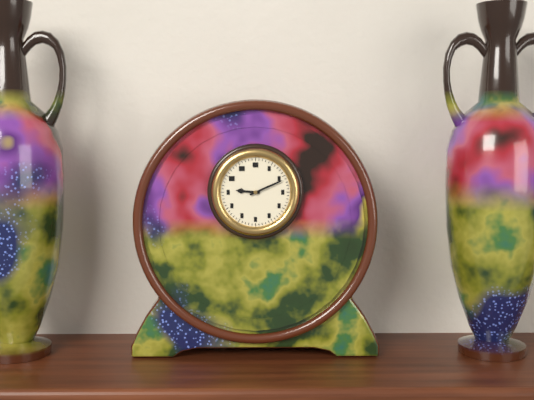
9:11
